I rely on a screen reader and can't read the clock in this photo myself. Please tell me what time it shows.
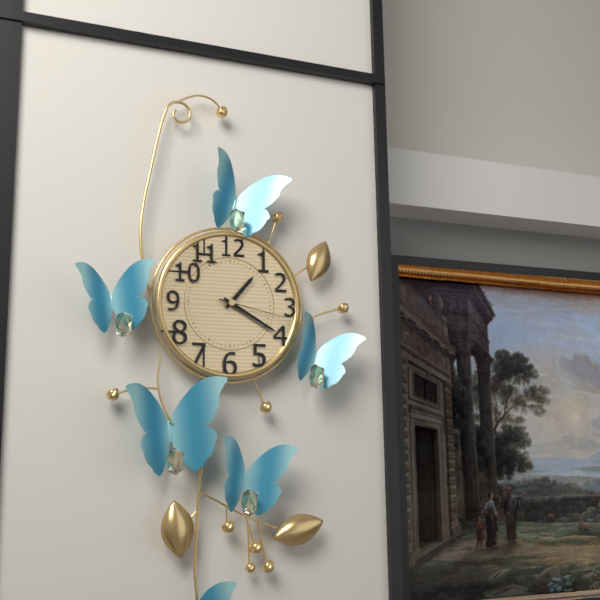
1:20:17
